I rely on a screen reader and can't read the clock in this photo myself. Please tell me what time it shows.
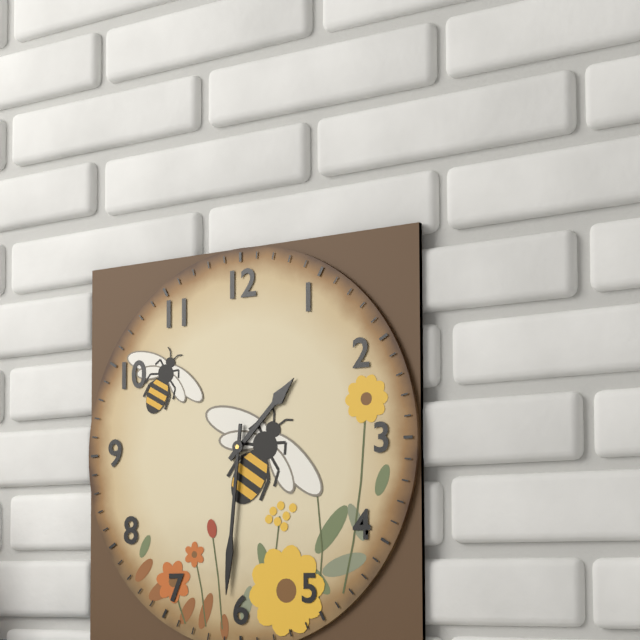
1:31
